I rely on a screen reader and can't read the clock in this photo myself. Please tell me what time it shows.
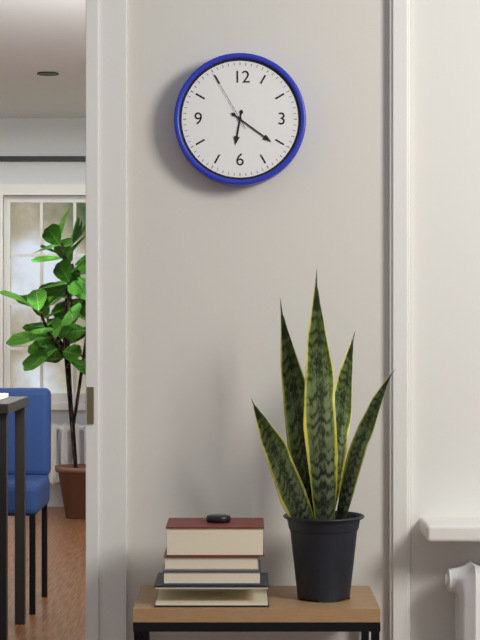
6:21:55
